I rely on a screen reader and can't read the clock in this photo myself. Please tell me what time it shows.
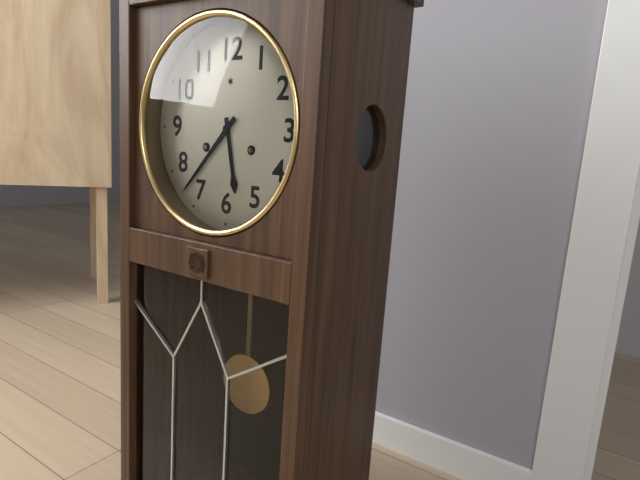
5:37
